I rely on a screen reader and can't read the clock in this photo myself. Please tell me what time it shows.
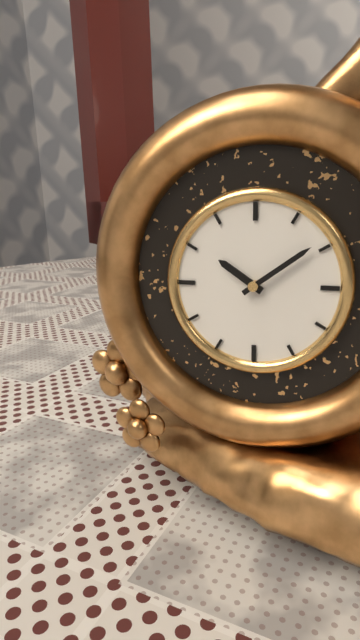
10:09
